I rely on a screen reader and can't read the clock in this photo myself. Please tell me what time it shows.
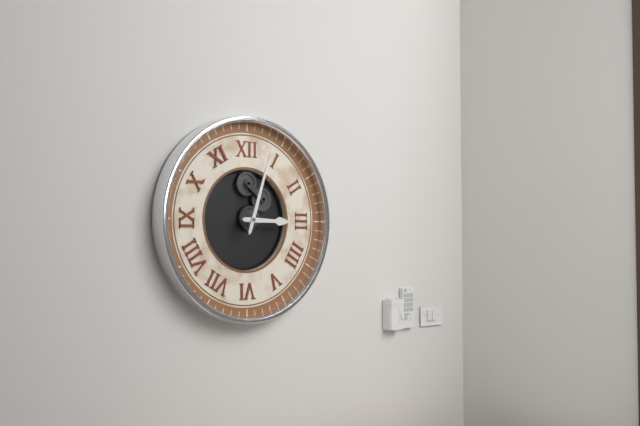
3:03
